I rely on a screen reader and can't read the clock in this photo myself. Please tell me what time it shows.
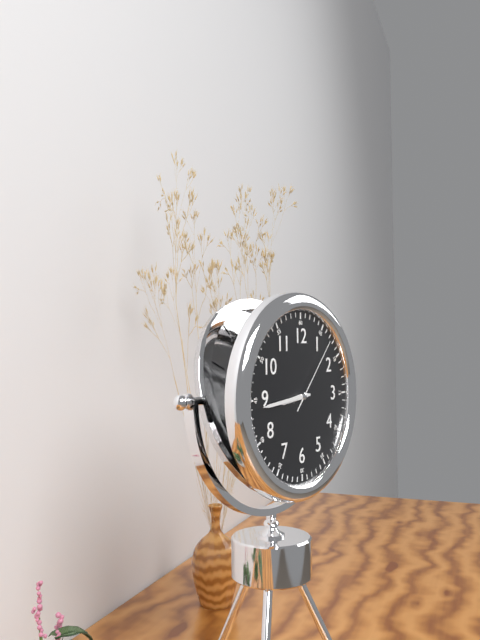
8:44:07
